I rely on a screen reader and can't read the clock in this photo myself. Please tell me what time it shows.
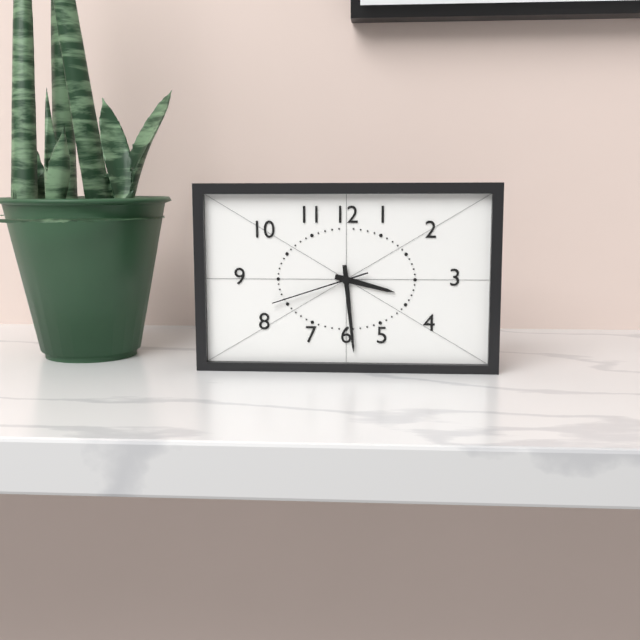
3:29:42
